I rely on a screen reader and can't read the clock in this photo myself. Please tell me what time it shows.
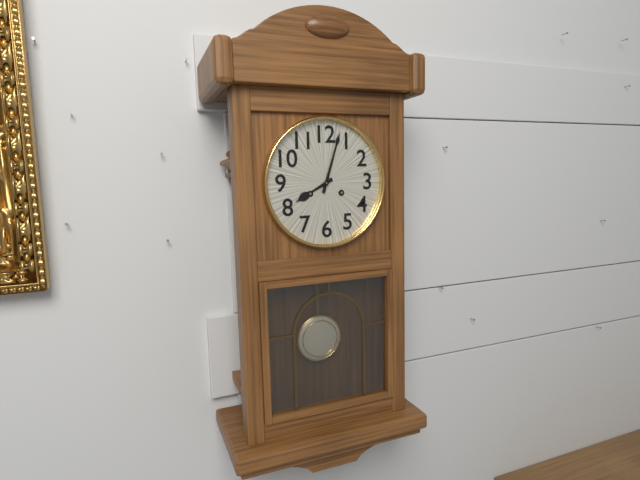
8:03
